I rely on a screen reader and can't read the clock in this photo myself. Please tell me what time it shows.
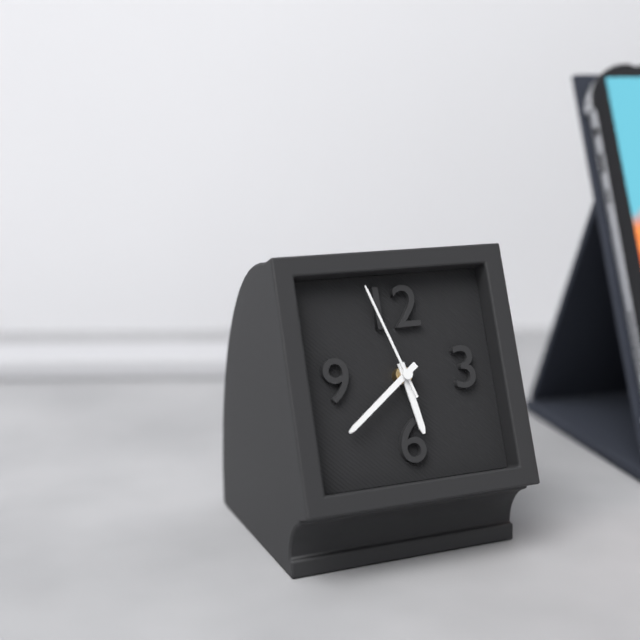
5:39:57
